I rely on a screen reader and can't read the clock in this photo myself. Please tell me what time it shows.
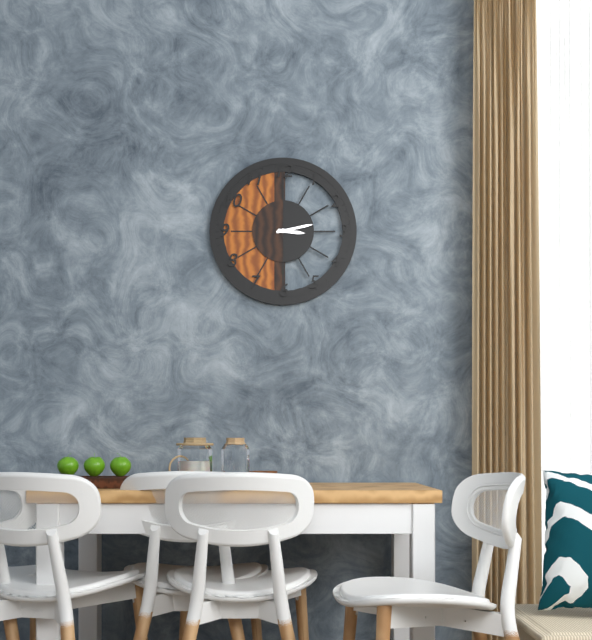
3:13
